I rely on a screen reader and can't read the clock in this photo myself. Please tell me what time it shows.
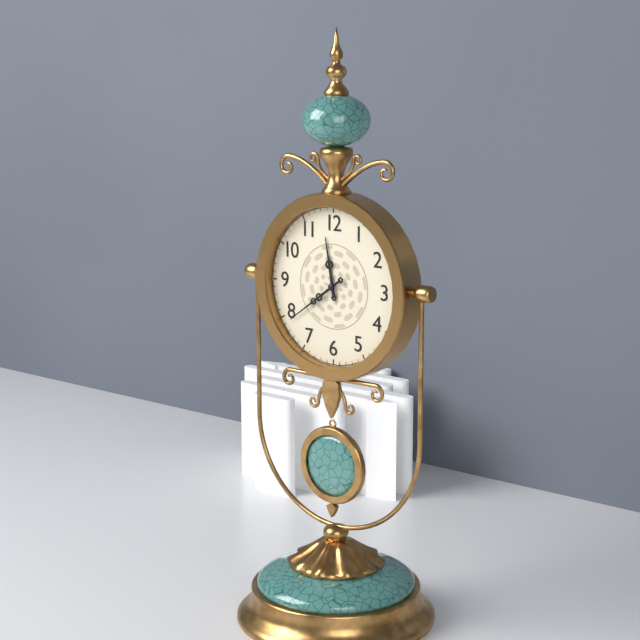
11:39
